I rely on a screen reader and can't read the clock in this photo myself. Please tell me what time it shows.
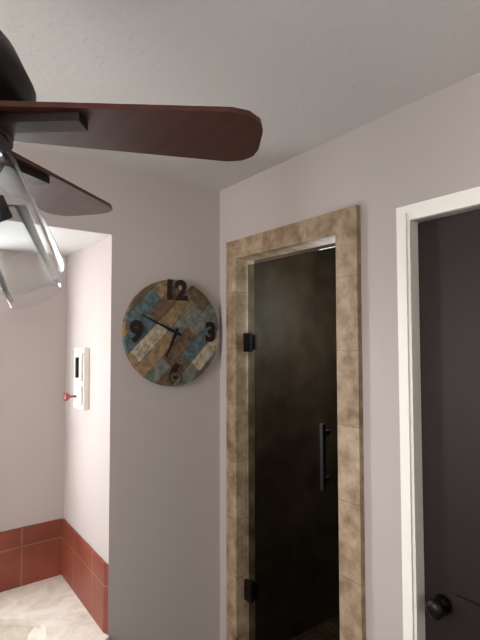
6:49
